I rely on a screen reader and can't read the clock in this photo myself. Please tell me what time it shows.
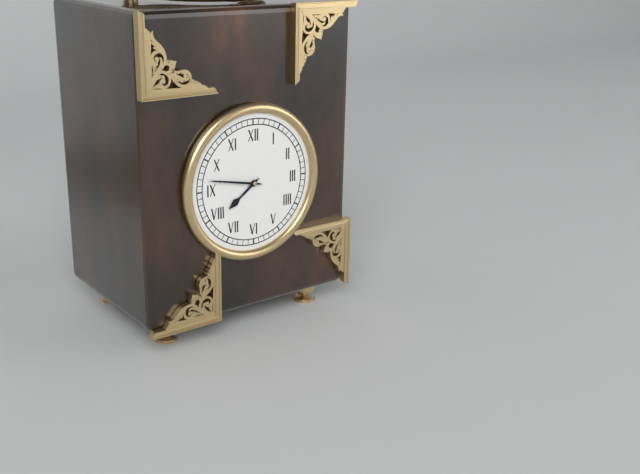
7:47
